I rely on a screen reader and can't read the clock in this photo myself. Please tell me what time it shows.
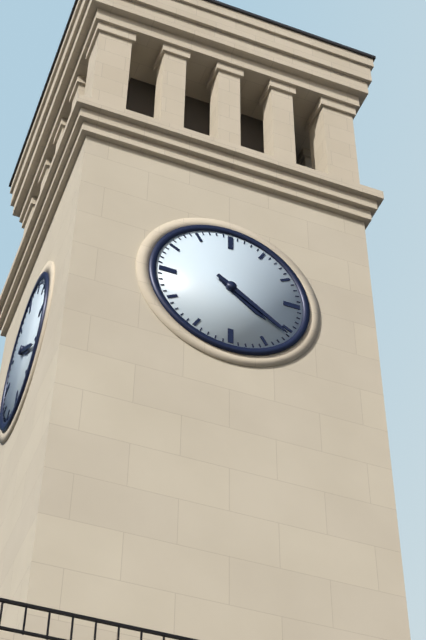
4:21
